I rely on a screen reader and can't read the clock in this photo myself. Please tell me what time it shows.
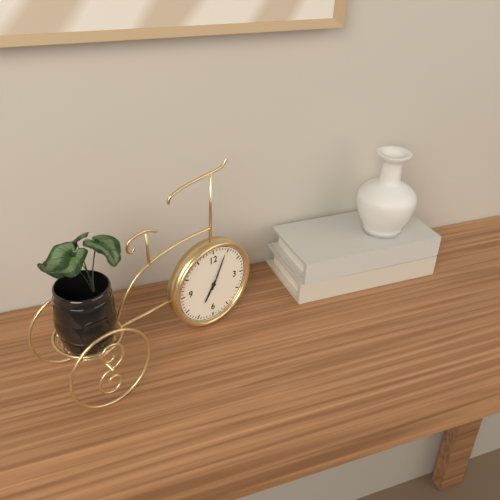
7:04
